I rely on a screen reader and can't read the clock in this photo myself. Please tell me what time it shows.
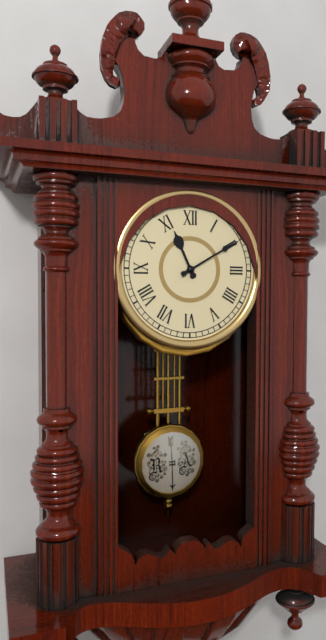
11:10
